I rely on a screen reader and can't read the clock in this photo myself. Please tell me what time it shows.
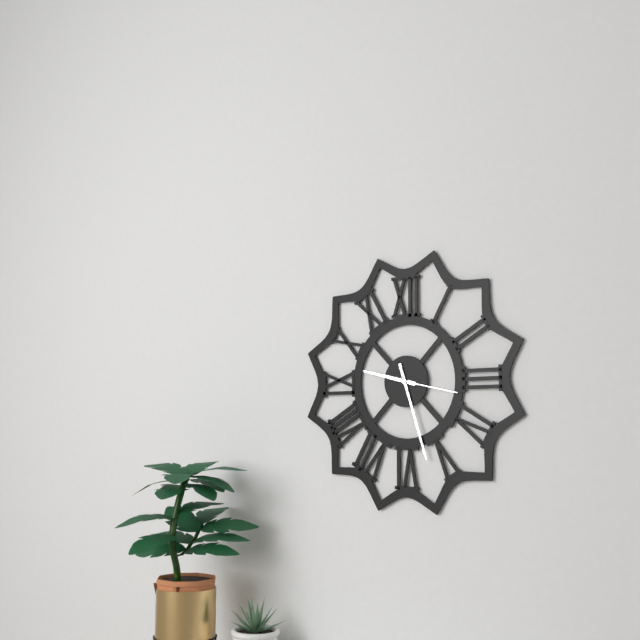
9:27:17
